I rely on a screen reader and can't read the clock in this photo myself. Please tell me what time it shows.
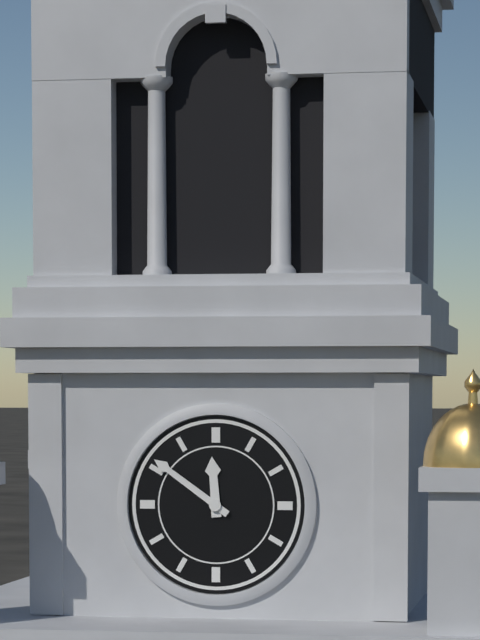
11:51
